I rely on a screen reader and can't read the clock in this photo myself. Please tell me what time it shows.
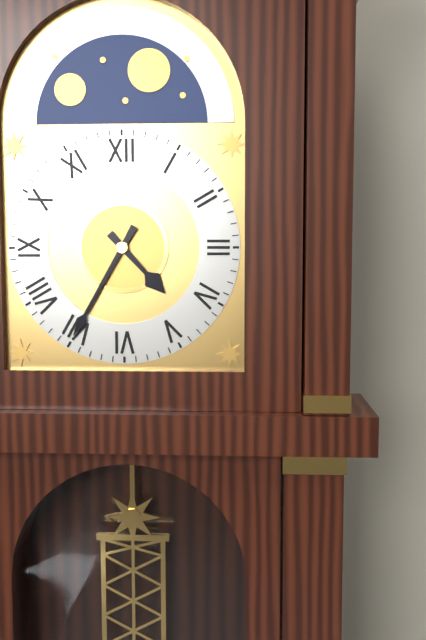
4:35
